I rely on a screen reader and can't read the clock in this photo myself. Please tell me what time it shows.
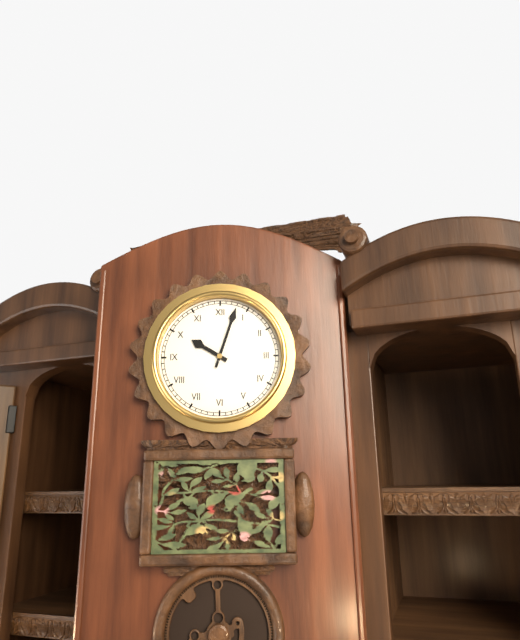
10:03
